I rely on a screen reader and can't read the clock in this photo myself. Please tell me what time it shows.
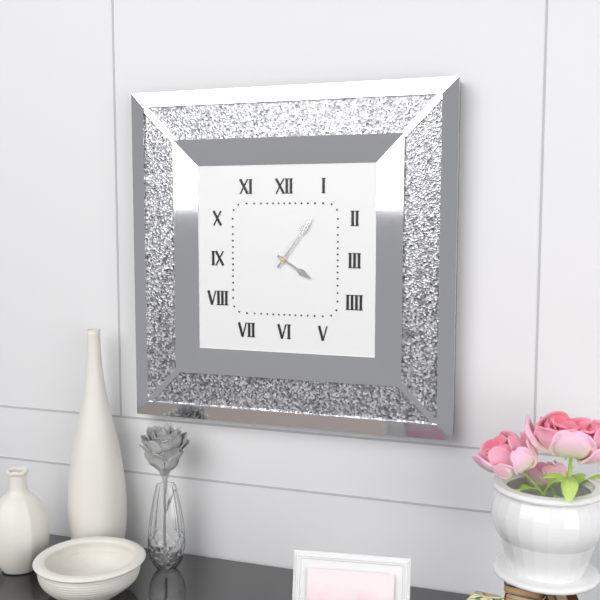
4:06
